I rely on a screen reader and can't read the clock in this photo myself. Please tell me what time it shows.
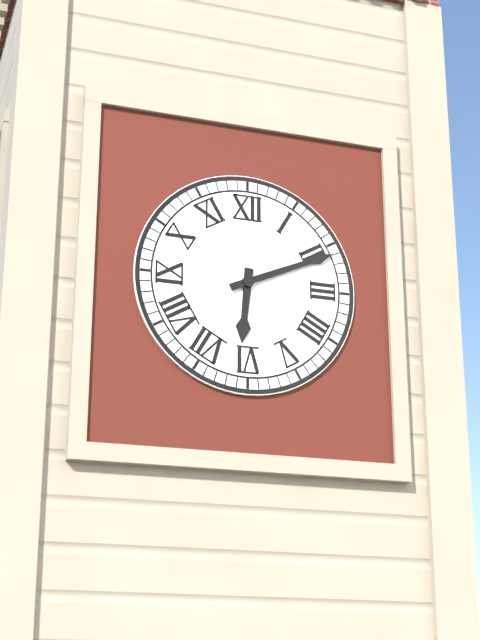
6:11
